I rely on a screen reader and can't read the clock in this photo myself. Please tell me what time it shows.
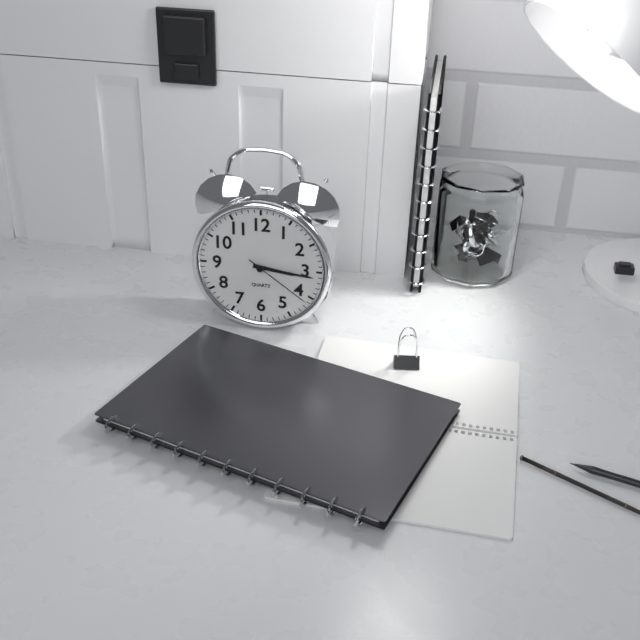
3:16:21
